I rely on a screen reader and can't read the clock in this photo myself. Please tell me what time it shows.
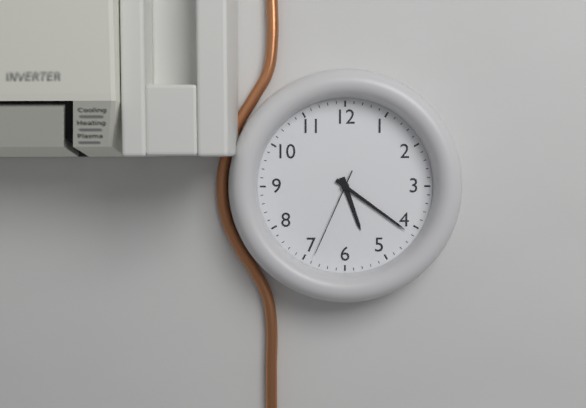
5:21:34
